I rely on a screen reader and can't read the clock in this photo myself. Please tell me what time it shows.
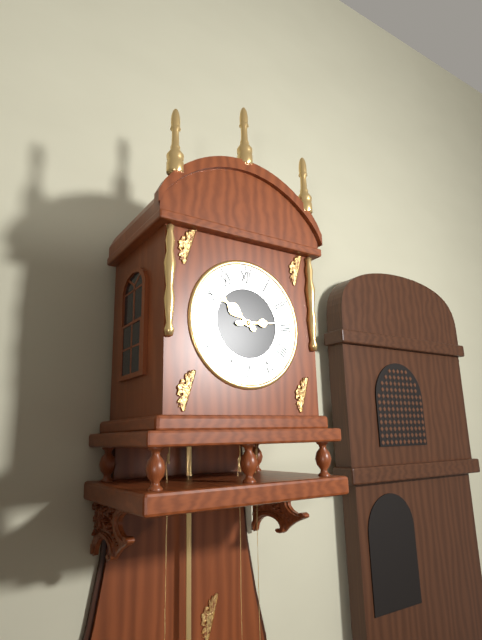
10:14
